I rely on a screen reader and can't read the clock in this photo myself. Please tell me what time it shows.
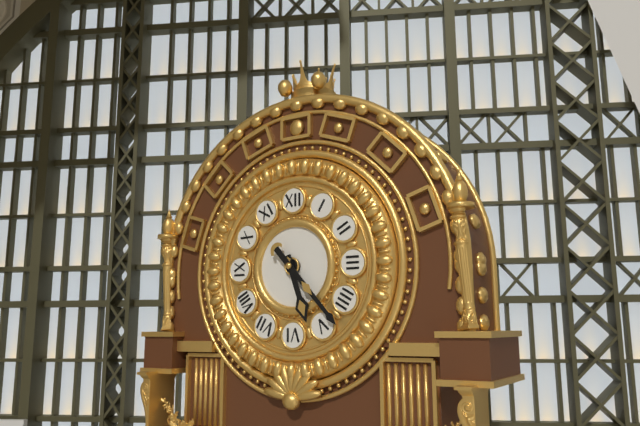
5:23
